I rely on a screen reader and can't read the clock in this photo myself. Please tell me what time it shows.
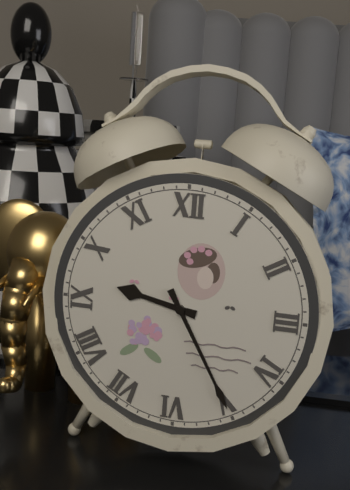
9:25
